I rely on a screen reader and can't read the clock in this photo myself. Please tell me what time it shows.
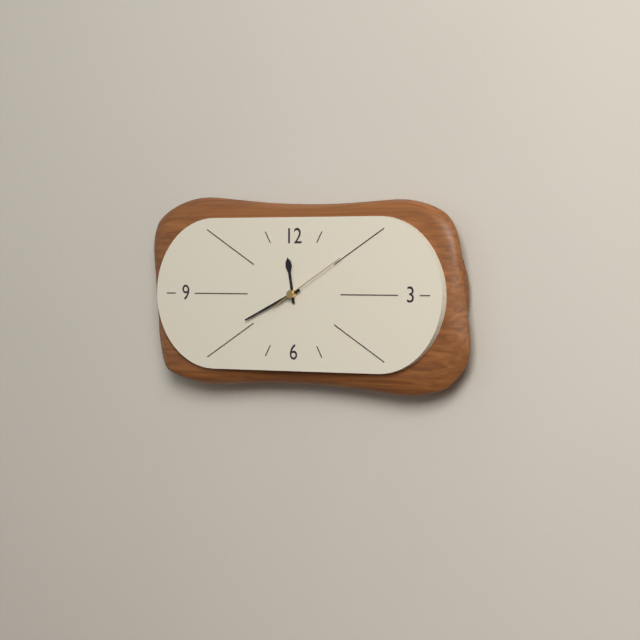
11:41:10
